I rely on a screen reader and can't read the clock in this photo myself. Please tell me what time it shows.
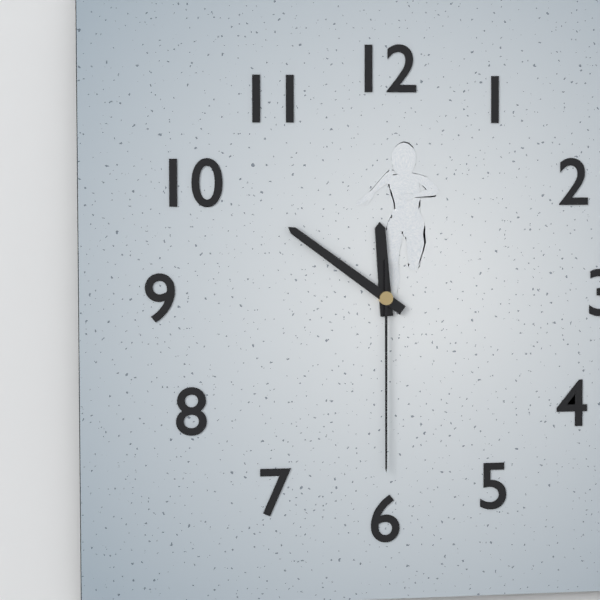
11:51:30
